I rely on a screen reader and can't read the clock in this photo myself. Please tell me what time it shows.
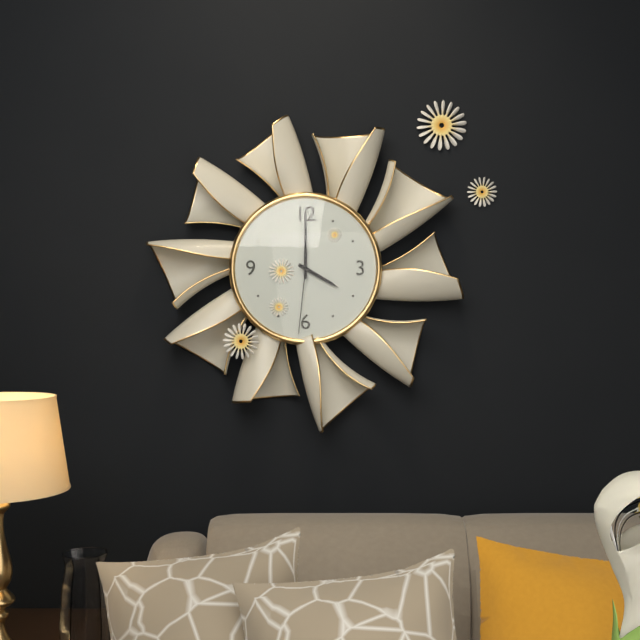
4:00:31
